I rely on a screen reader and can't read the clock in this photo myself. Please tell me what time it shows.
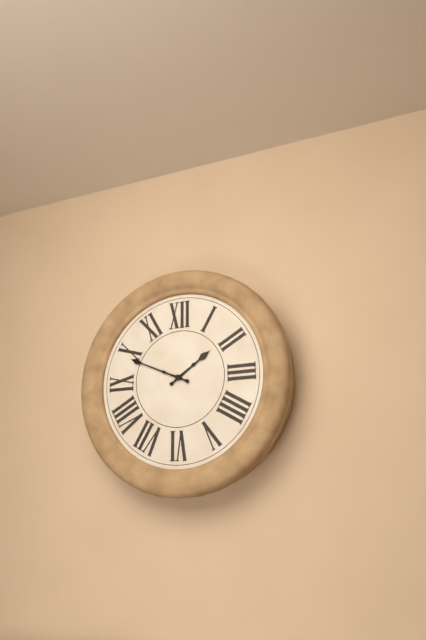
1:49
